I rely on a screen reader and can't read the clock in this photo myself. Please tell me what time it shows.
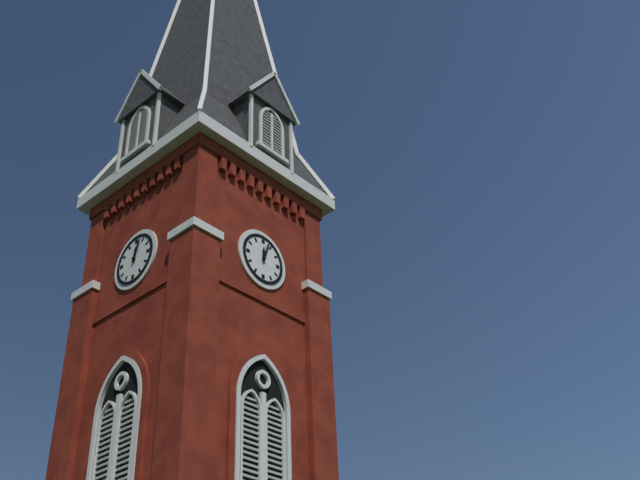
12:03
